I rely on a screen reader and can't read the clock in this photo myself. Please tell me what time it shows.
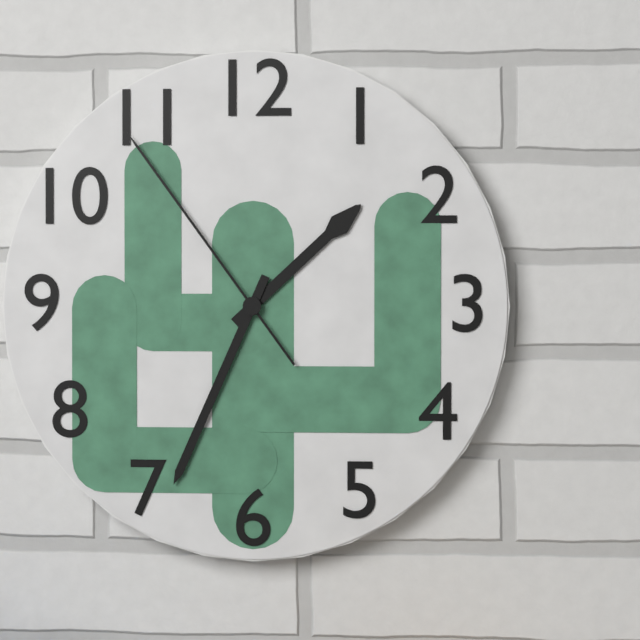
1:34:54
